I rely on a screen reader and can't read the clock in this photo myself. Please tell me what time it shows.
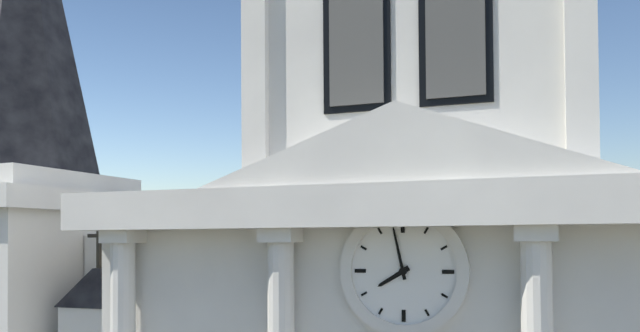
7:58
